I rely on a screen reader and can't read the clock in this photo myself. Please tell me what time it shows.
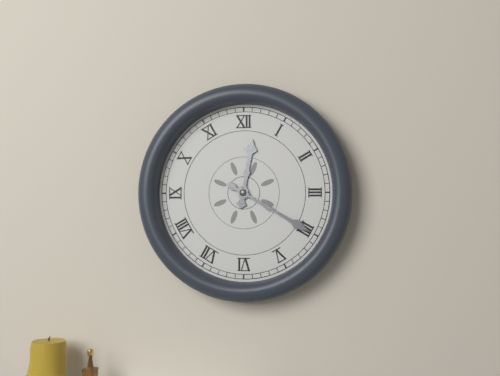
12:20
